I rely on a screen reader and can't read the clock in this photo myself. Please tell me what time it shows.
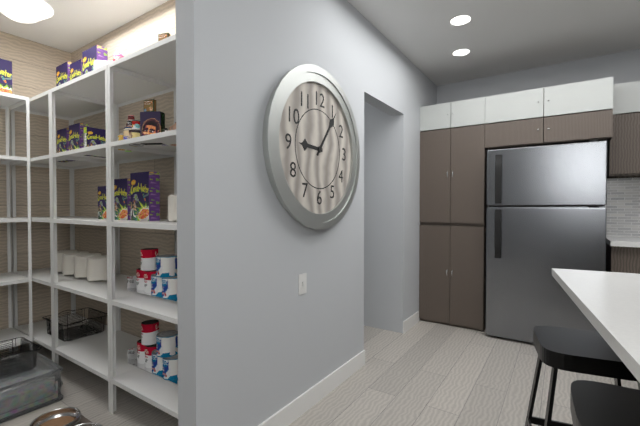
9:06
